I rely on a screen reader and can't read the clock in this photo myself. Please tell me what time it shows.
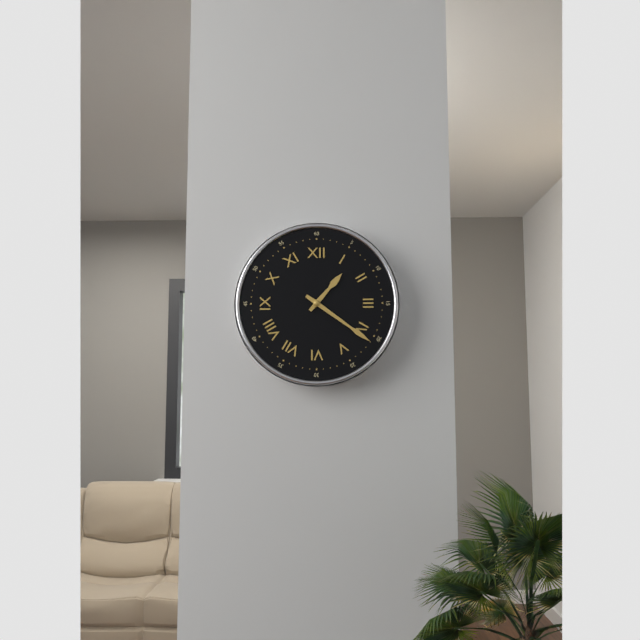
1:21
